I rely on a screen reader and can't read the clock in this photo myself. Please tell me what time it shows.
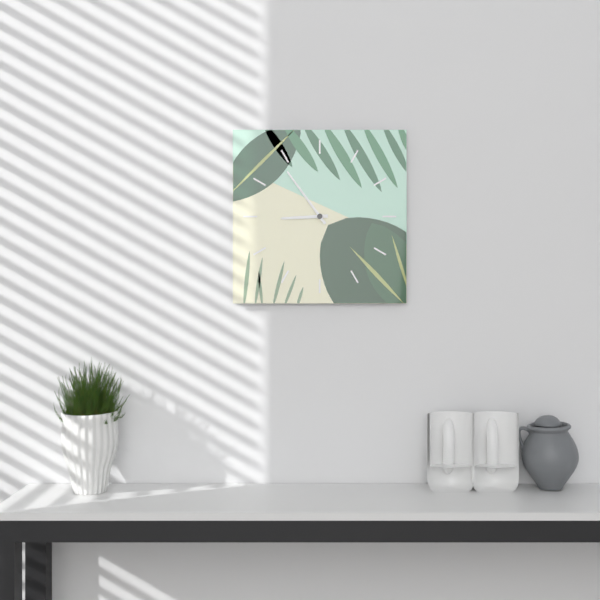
8:54
